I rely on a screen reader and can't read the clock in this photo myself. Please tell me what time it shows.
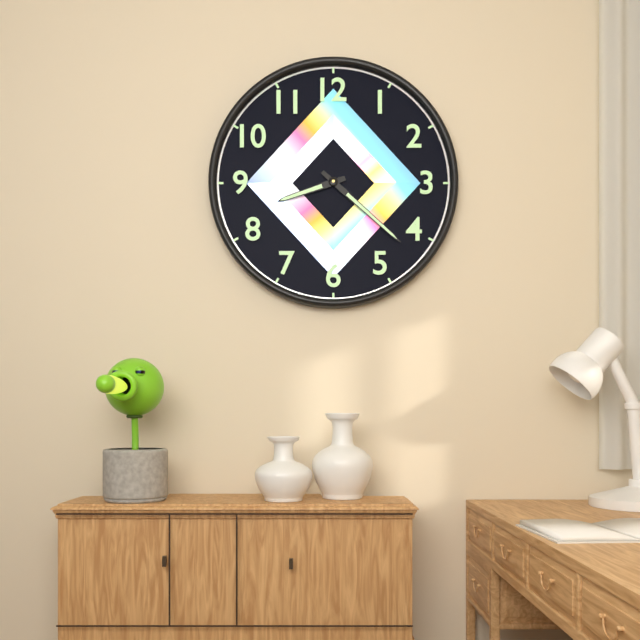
8:22
